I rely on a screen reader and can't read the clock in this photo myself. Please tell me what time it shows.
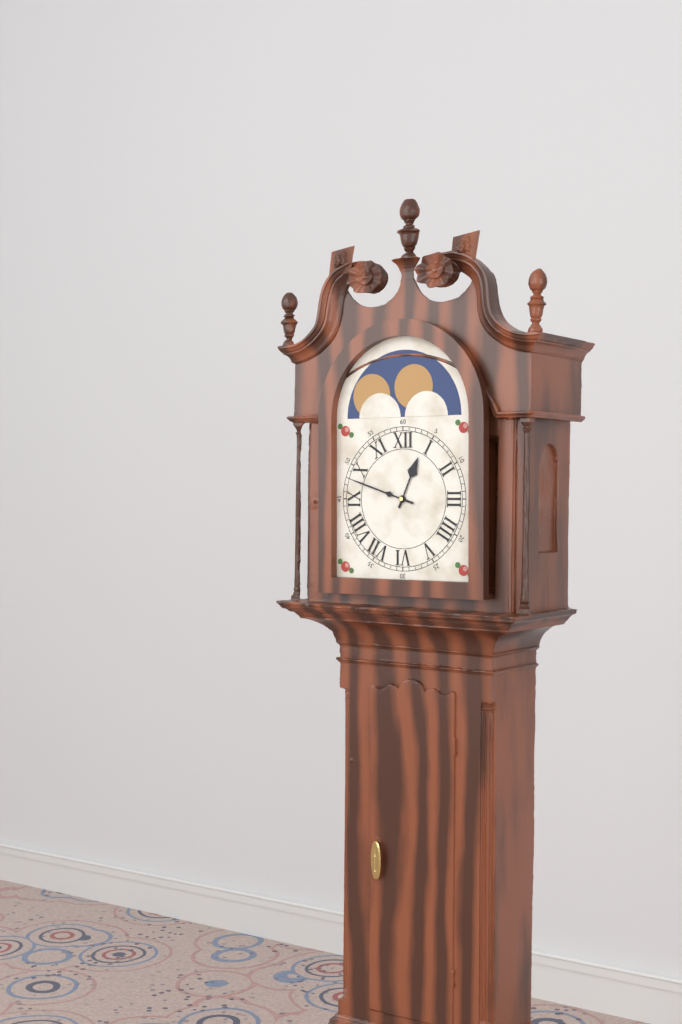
12:48
